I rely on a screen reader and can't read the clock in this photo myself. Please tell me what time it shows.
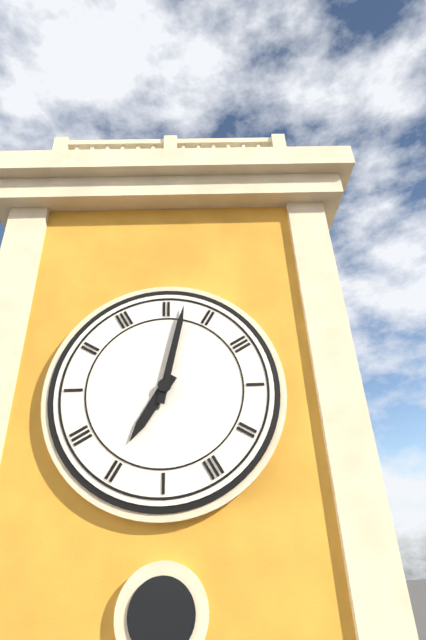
7:02
